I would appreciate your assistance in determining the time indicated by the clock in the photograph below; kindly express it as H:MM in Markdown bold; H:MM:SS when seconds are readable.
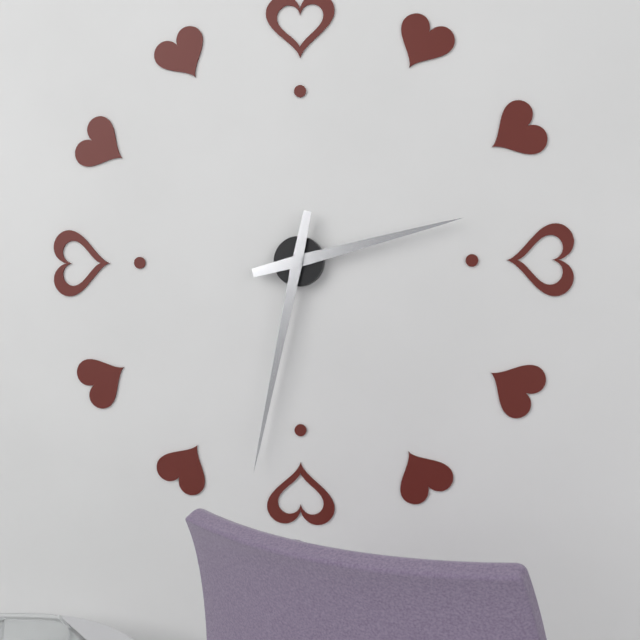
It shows **2:32**
